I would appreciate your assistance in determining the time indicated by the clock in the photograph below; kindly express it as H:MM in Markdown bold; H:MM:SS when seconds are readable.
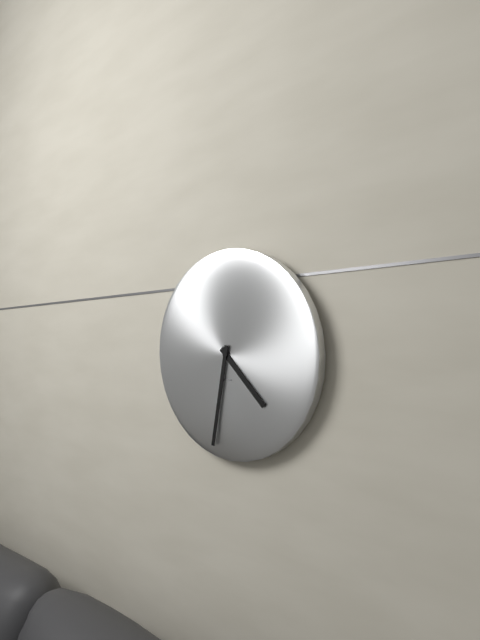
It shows **4:32**
